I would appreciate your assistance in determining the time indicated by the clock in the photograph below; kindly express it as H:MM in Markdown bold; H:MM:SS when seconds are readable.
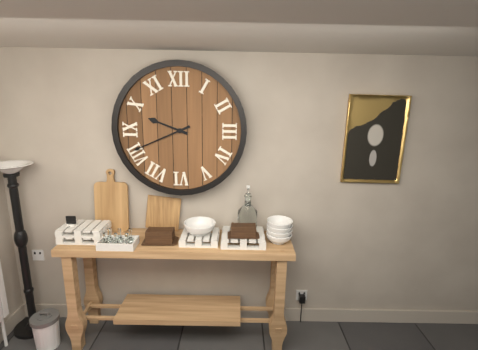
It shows **9:41**
